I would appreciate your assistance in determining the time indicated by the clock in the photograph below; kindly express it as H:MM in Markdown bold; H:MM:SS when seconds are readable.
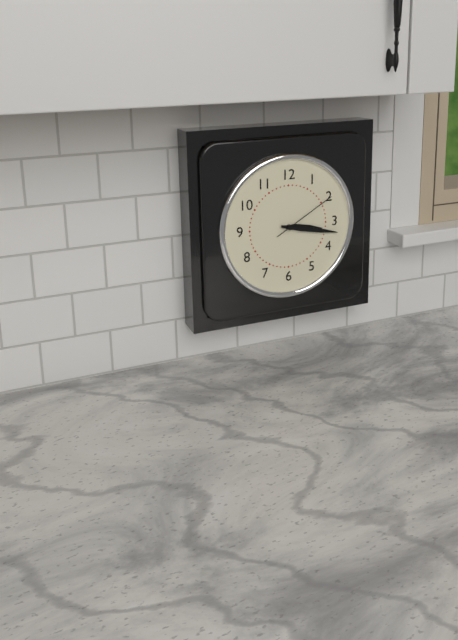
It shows **3:17:10**
